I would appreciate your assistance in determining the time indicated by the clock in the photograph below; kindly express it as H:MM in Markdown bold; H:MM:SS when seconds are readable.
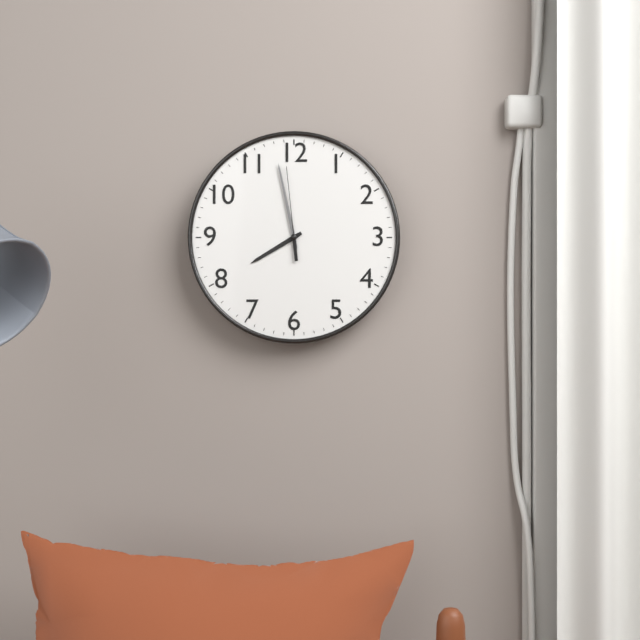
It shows **7:58:59**
